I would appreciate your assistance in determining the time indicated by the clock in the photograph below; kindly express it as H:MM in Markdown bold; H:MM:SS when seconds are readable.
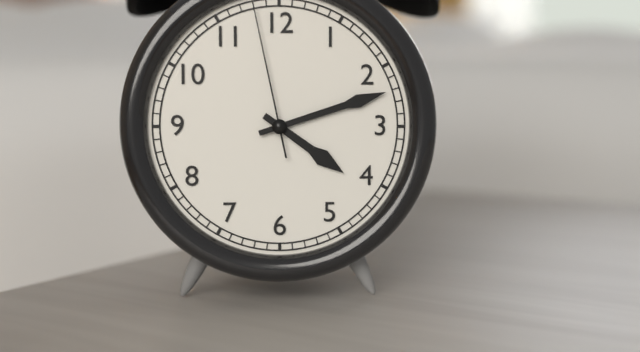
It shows **4:12:58**
